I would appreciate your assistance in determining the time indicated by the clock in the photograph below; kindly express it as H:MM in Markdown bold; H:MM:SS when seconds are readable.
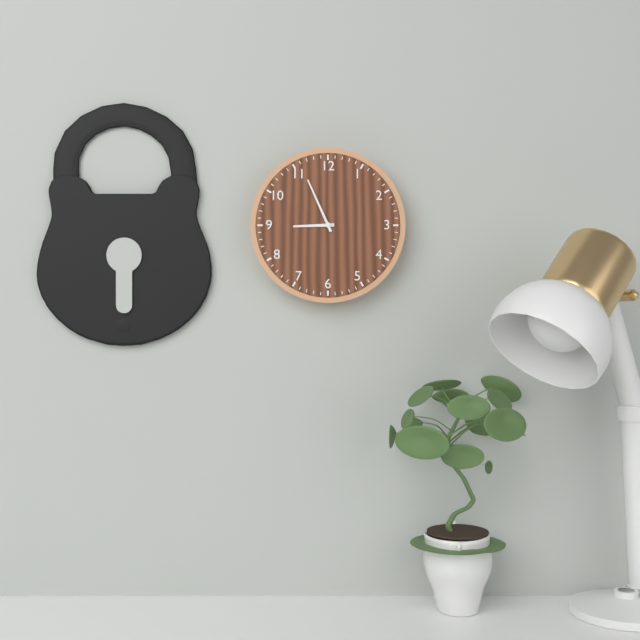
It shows **8:56**
